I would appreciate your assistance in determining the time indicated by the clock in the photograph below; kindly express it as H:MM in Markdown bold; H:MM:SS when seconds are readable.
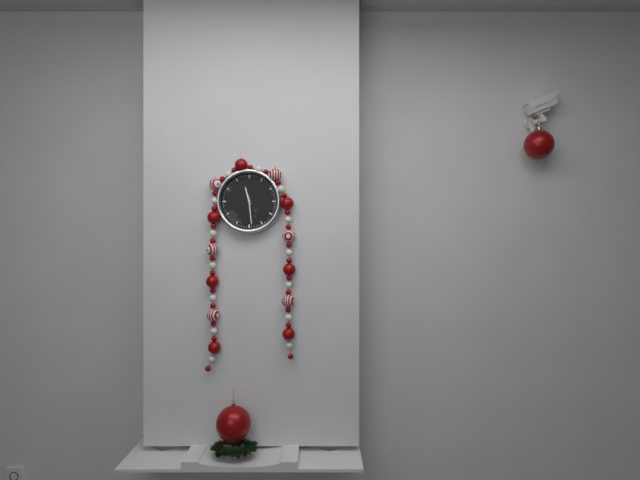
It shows **11:29**
